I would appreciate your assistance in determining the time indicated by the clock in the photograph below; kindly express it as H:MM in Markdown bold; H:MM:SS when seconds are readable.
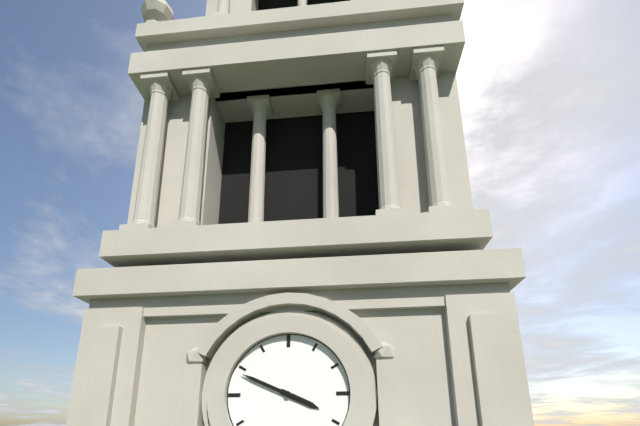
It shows **3:49**
